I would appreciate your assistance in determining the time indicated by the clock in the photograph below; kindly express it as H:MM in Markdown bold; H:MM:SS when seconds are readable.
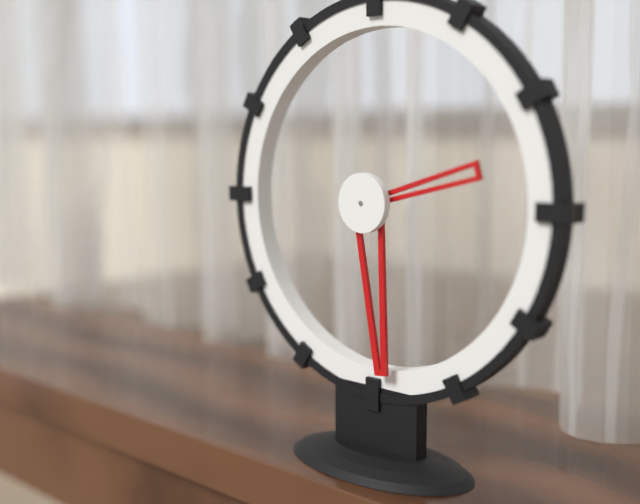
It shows **2:29**
